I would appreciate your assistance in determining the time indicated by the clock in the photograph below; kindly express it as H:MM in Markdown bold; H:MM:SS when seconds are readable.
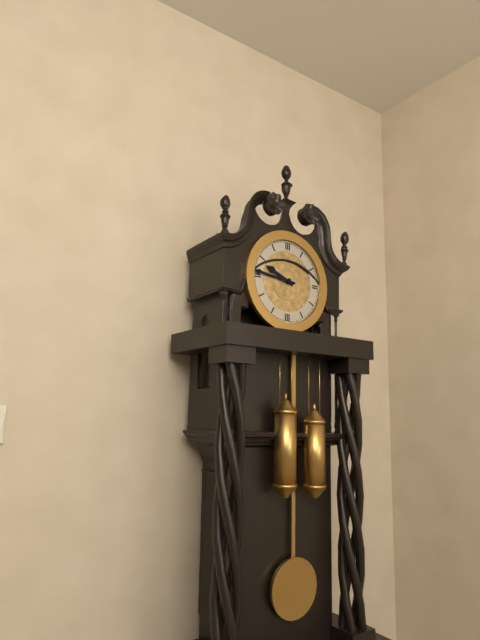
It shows **9:46**
